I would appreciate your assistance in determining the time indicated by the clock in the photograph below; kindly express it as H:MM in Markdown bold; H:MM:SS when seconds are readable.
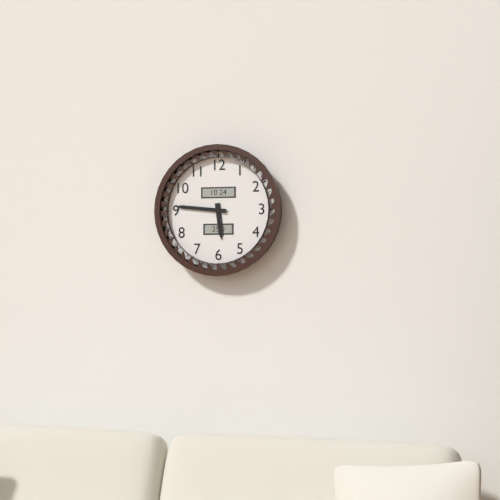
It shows **5:46**
